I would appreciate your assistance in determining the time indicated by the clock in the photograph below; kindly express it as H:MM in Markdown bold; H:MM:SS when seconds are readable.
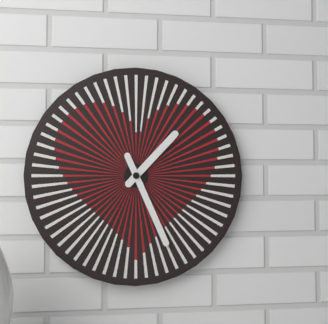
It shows **1:26**
